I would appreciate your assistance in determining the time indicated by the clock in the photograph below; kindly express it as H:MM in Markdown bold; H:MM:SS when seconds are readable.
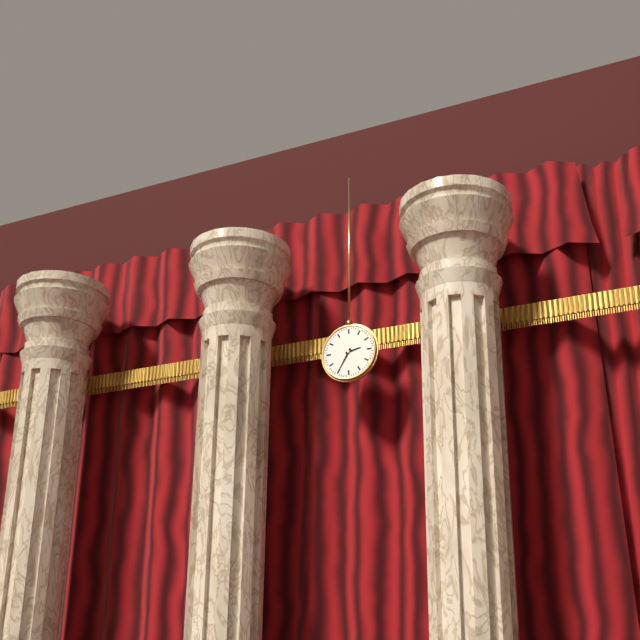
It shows **2:35**
